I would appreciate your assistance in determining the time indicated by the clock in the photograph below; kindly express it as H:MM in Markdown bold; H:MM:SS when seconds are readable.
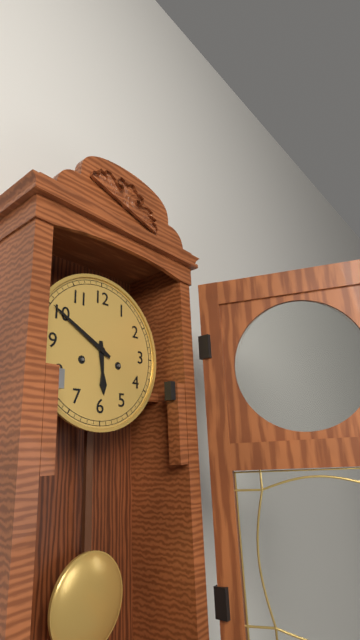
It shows **5:50**
